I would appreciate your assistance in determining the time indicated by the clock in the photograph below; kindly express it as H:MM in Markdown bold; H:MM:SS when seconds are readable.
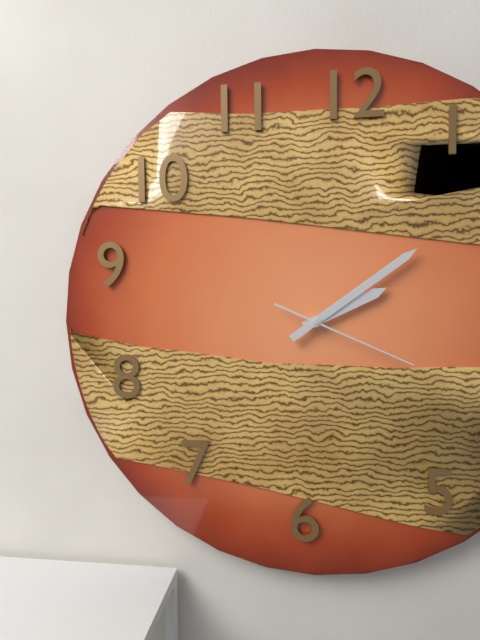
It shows **2:09:19**
